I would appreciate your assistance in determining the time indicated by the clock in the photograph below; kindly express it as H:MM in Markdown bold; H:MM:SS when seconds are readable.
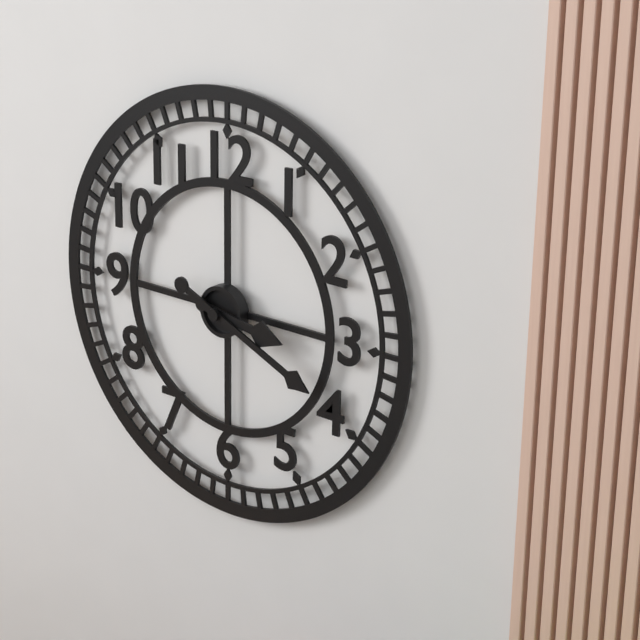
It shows **3:19**
